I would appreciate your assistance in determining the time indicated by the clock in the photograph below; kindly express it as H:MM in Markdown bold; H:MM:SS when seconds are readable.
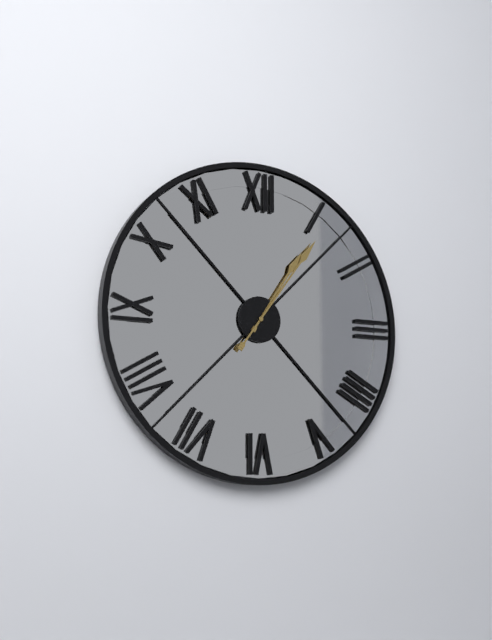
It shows **1:06**
